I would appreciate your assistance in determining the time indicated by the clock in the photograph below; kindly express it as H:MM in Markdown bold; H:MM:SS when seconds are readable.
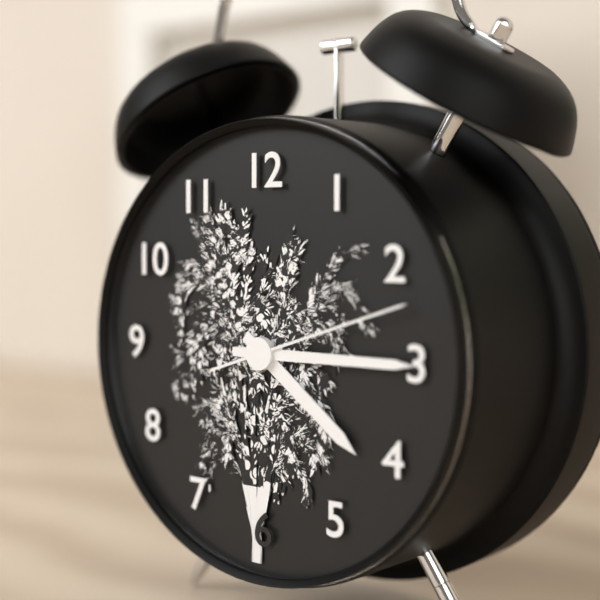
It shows **4:15:12**
